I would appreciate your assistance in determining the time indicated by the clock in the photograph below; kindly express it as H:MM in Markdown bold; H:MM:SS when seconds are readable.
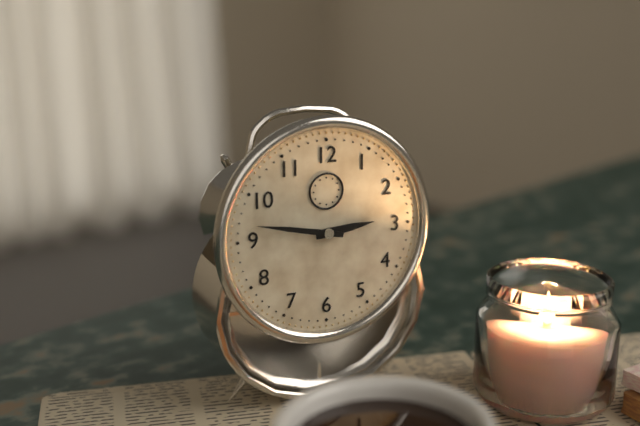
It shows **2:47**
